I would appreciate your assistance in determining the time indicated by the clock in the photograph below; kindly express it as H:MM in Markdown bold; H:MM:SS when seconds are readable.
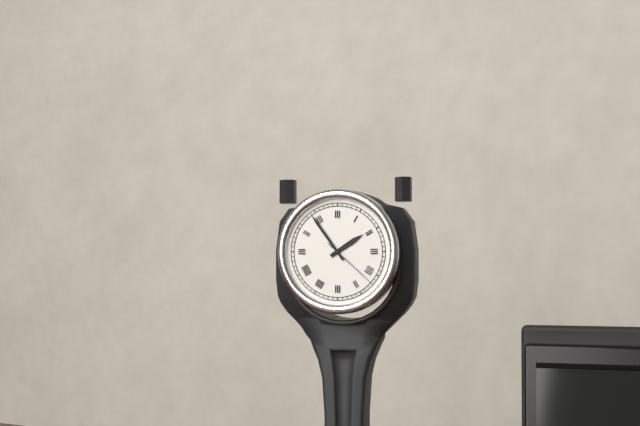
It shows **1:54:22**
